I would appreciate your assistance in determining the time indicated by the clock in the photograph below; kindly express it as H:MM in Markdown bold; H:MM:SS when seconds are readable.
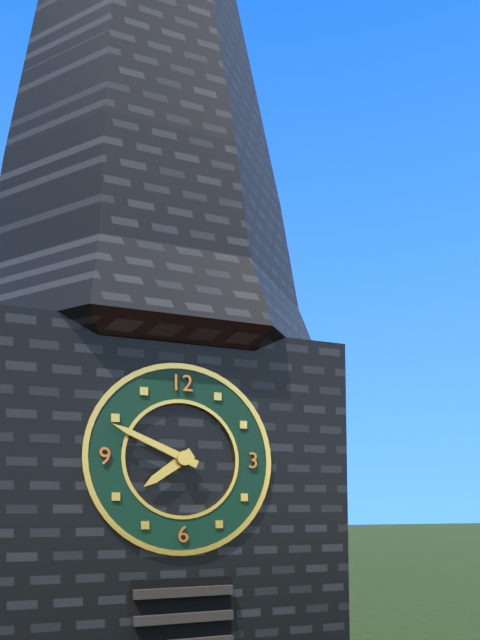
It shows **7:49**
